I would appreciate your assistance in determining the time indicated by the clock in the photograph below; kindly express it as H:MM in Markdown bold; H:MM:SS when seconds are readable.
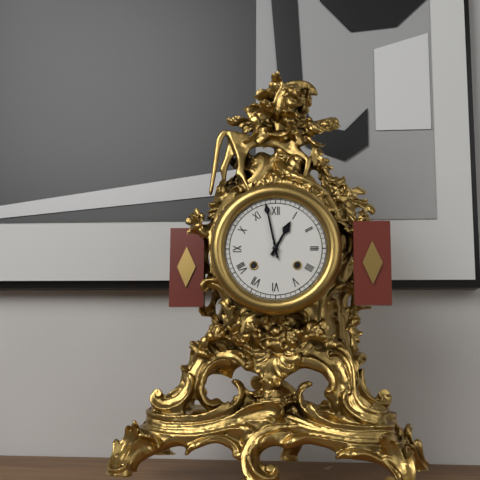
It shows **12:58**
